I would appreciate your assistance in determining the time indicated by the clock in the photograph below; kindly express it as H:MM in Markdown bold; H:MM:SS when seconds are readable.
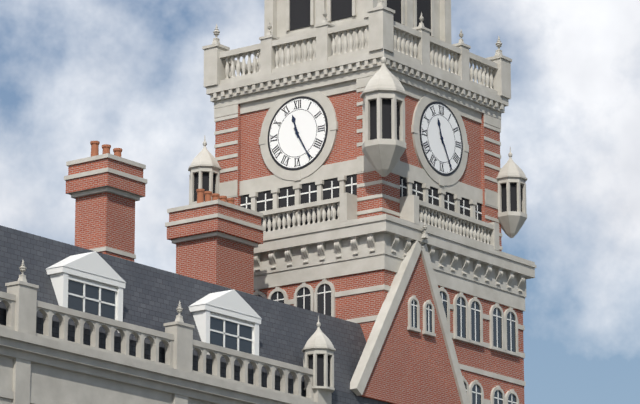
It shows **11:25**
